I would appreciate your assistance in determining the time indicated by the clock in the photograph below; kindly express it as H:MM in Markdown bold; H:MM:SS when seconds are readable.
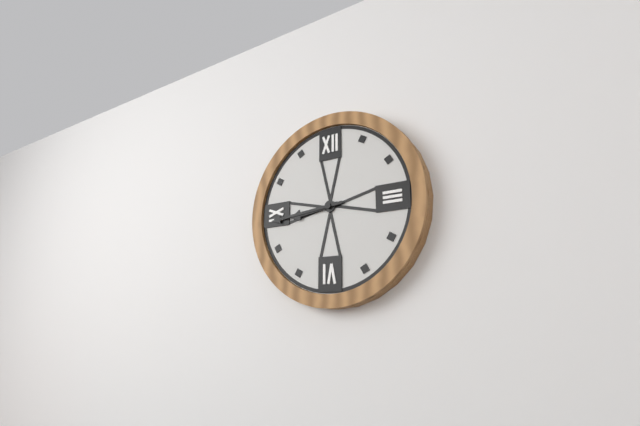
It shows **8:44**
